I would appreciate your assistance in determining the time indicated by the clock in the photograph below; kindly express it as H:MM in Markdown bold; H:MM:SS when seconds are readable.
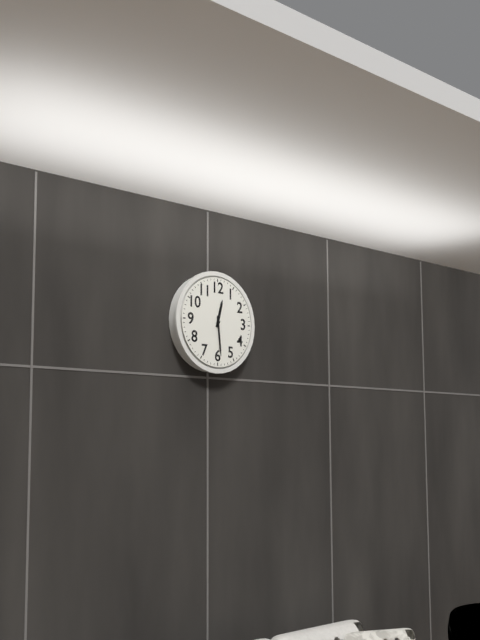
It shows **12:29**
